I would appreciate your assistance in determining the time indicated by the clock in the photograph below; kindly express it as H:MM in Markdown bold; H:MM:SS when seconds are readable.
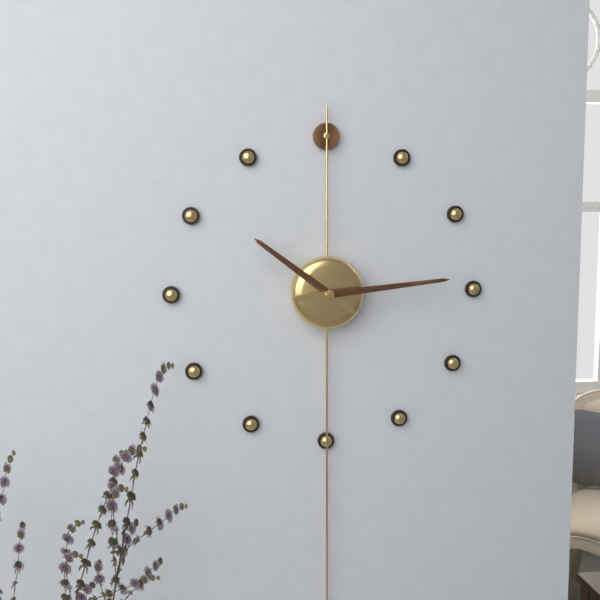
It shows **10:14**
